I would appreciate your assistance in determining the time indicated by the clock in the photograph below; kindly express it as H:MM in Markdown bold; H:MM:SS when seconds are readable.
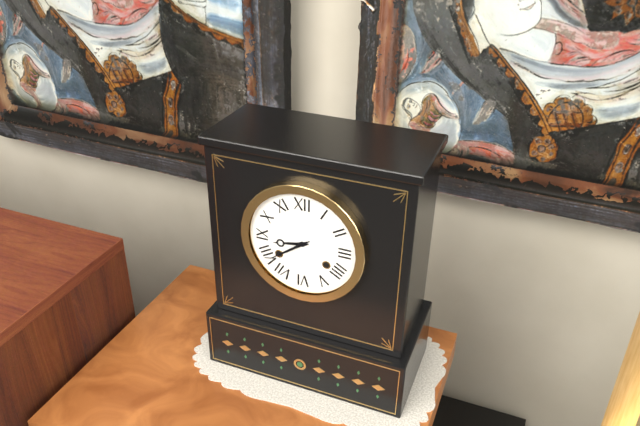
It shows **8:39**
